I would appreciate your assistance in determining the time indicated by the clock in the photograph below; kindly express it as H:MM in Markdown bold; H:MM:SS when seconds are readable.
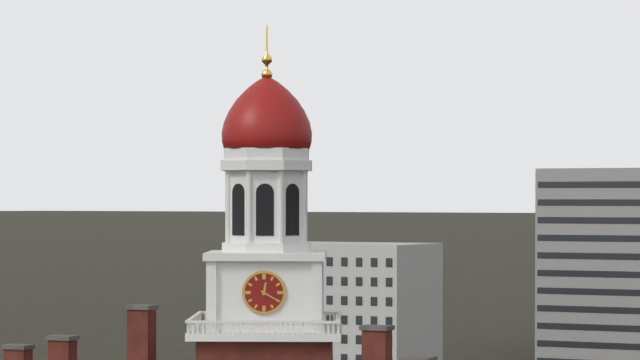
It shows **12:20**
